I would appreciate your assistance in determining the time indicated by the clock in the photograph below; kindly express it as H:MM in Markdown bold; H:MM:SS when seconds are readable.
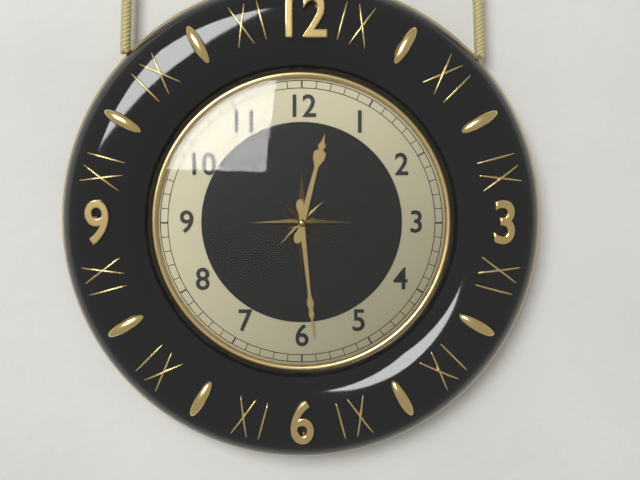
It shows **12:29**
